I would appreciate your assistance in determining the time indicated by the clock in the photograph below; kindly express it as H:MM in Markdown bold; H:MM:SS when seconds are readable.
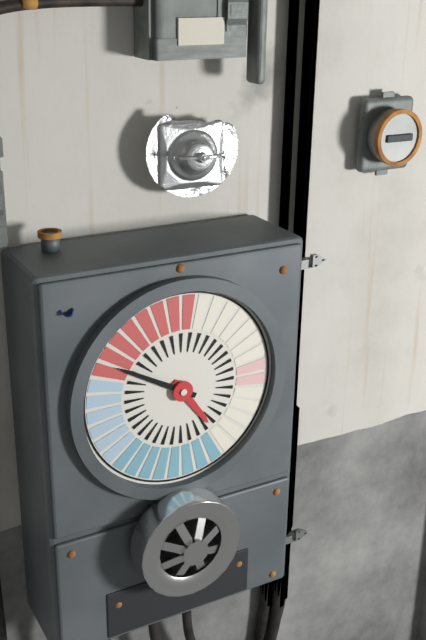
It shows **4:50**
